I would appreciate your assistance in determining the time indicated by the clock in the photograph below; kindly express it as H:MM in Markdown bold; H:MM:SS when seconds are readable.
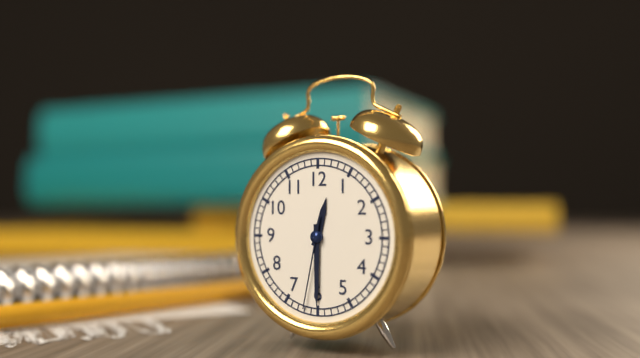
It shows **12:30:32**
